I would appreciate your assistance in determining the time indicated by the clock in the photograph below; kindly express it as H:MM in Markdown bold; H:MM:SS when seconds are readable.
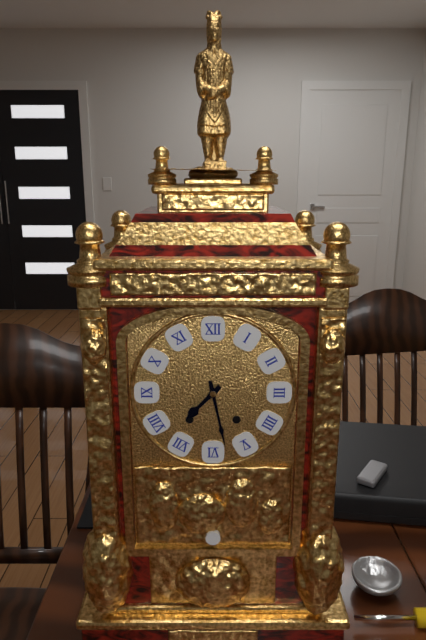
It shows **7:28**
